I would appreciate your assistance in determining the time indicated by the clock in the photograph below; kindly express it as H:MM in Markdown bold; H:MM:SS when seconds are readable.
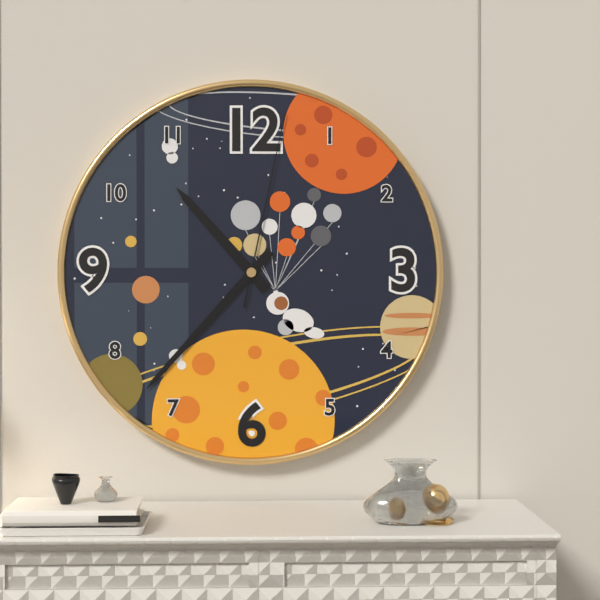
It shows **10:37:02**
